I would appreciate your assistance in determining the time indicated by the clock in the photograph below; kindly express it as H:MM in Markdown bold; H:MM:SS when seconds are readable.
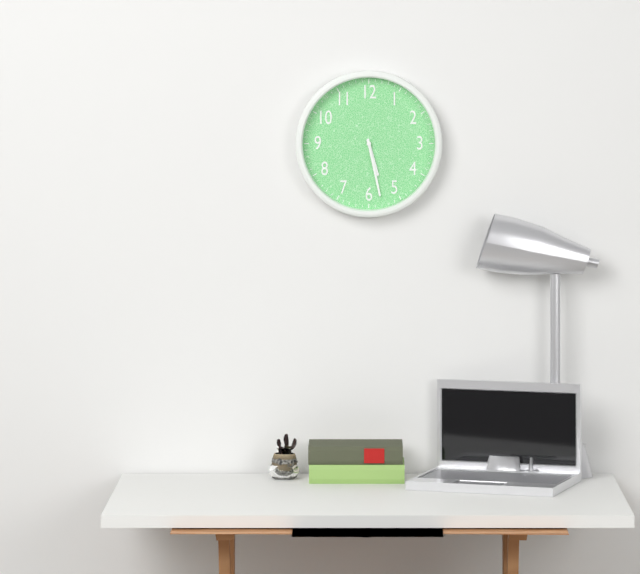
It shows **5:28**
